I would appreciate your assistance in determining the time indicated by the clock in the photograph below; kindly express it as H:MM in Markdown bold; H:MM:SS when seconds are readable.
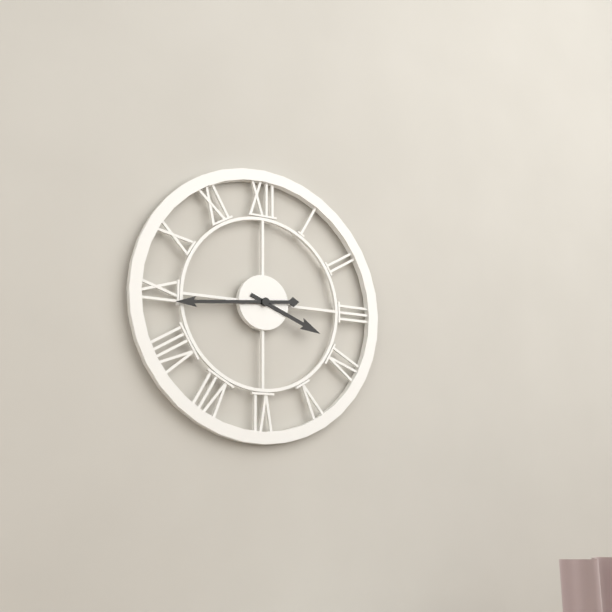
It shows **3:44**
